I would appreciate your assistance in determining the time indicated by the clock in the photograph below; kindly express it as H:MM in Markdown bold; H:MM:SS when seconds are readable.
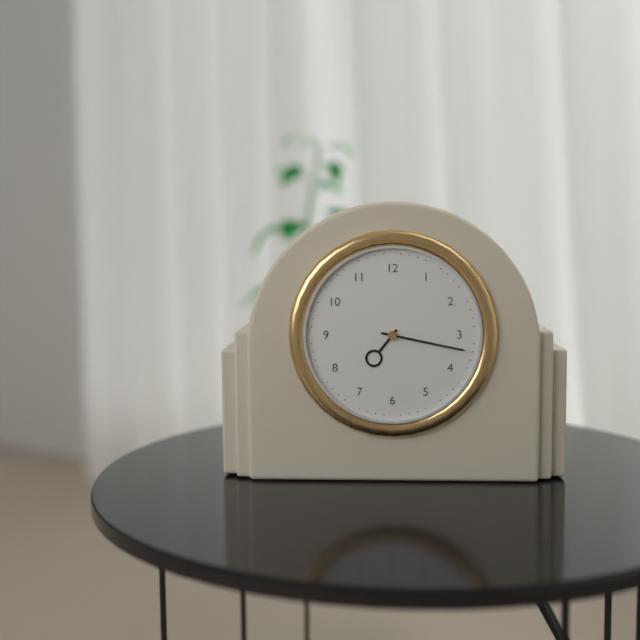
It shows **7:17**
